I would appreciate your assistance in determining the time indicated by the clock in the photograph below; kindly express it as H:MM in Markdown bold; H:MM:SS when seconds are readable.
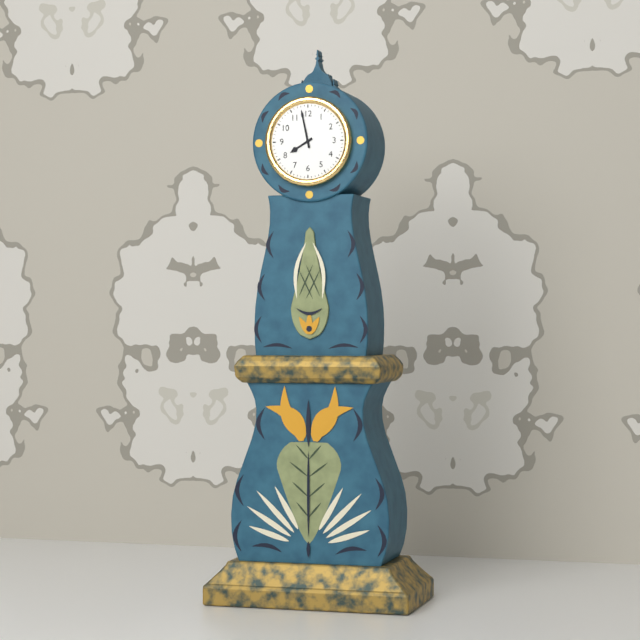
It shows **7:58**
